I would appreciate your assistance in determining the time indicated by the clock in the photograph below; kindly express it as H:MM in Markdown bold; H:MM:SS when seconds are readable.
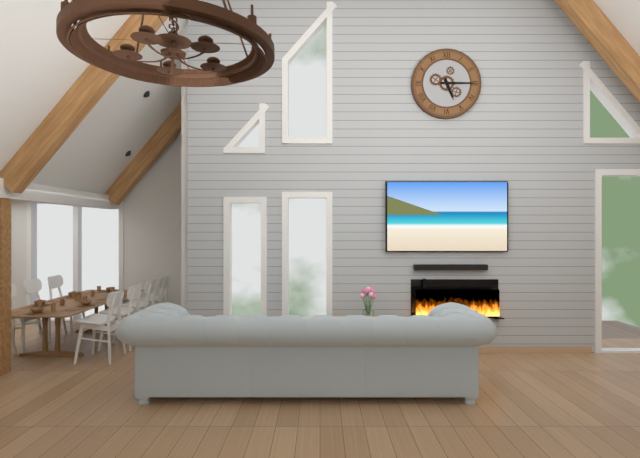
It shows **5:15**
